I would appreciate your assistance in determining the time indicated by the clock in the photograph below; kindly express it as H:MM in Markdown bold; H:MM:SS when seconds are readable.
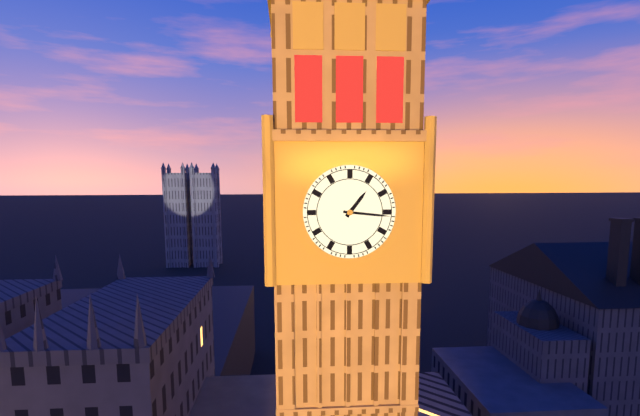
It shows **1:16**
